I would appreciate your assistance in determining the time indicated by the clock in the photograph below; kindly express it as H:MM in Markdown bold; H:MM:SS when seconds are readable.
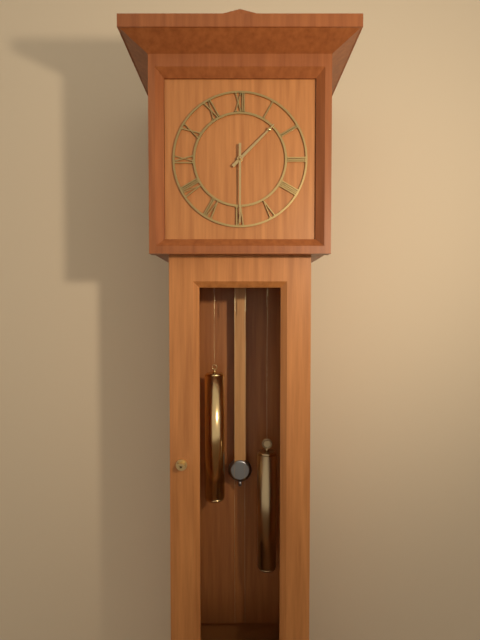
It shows **1:30**
